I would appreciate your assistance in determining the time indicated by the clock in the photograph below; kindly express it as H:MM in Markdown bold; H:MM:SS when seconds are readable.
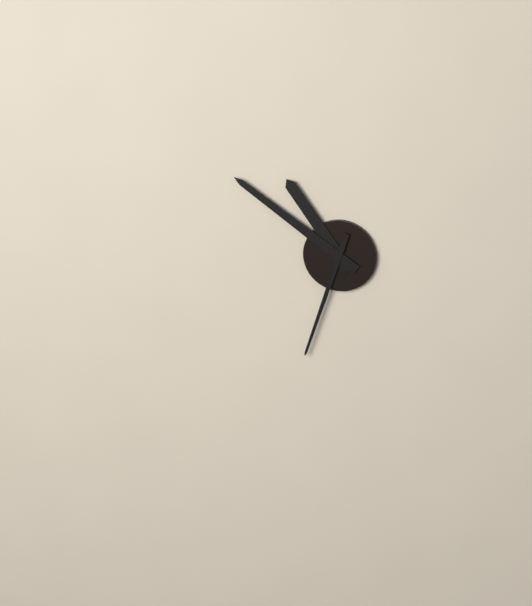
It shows **10:51:33**
